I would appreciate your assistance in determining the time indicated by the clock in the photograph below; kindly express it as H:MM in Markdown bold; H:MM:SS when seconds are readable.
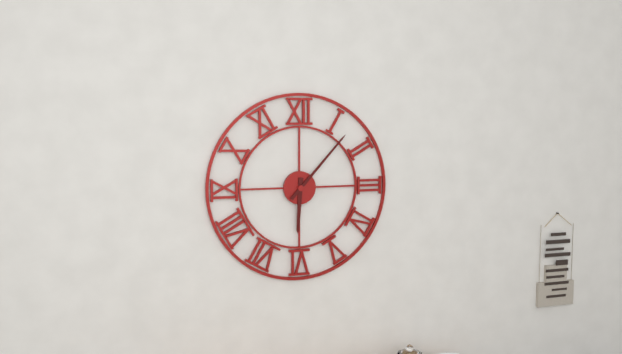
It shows **6:07**
